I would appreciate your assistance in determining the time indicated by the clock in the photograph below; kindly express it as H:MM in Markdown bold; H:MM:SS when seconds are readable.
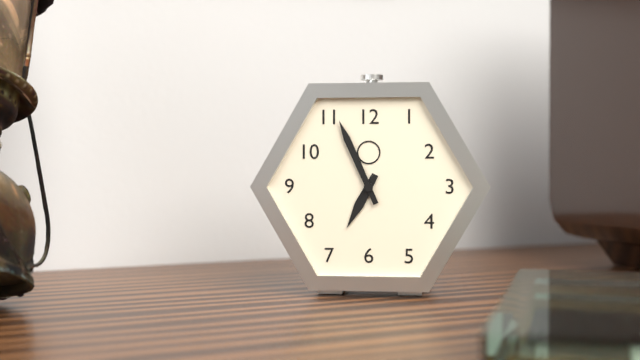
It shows **6:56**
